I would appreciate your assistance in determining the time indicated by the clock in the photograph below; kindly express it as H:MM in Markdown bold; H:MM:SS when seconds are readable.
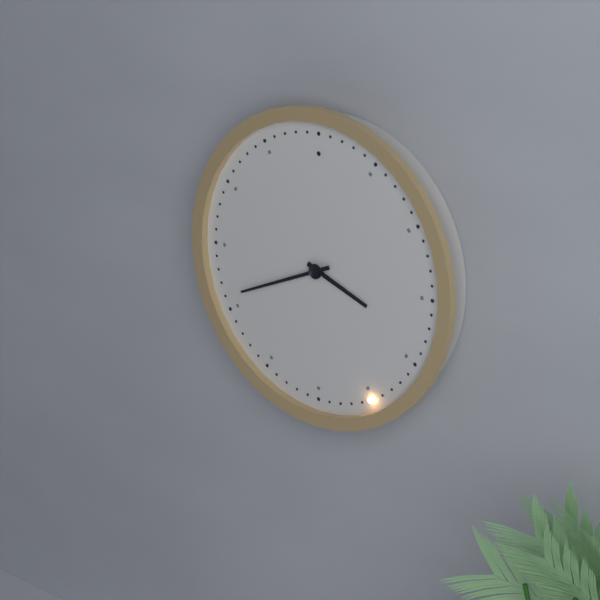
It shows **3:41**
